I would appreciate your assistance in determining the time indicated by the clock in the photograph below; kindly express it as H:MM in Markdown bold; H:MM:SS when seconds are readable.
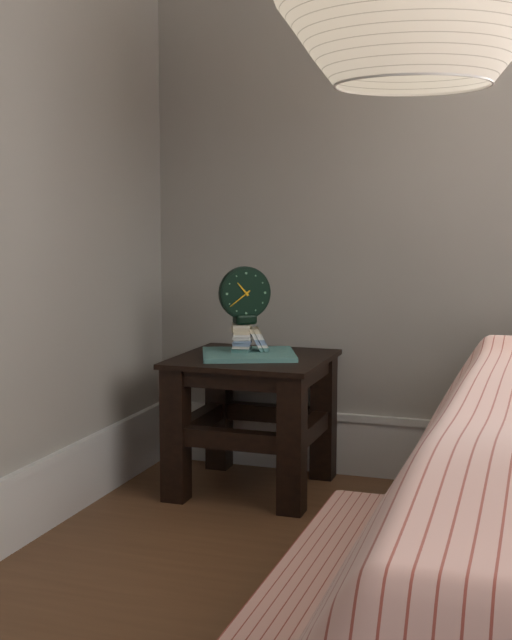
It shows **10:39**
